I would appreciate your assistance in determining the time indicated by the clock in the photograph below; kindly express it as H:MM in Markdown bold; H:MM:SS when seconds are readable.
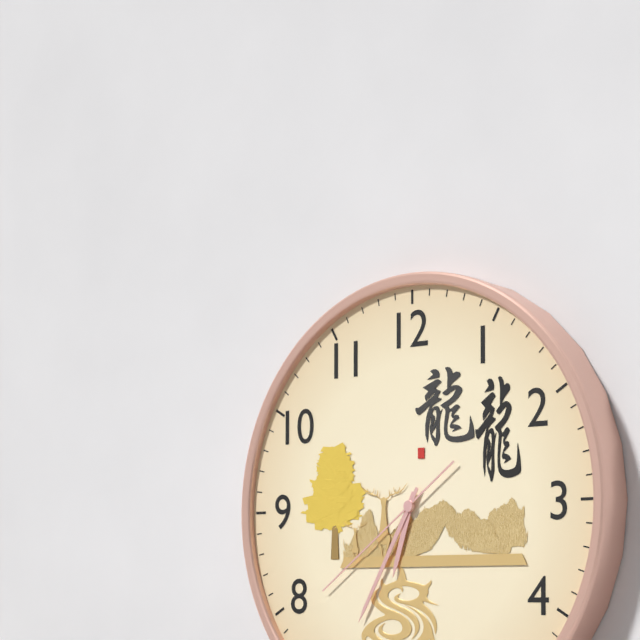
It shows **6:35:39**
